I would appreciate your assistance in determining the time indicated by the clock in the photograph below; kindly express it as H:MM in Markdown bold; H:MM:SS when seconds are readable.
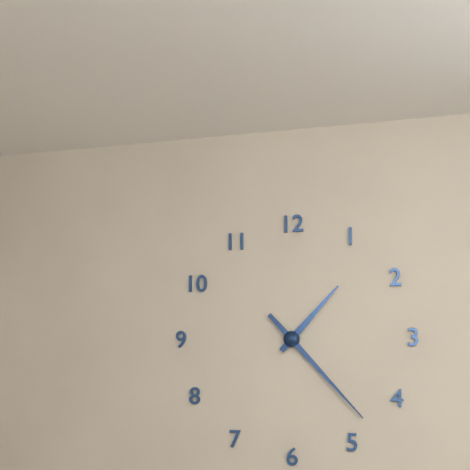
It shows **1:23**
